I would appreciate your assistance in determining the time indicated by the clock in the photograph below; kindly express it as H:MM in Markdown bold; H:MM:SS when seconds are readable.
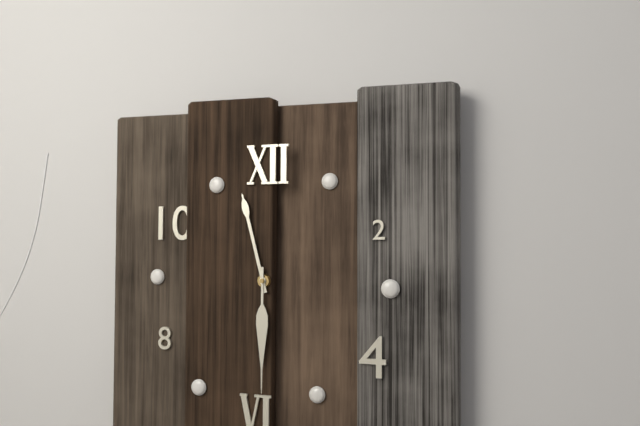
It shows **11:30**
